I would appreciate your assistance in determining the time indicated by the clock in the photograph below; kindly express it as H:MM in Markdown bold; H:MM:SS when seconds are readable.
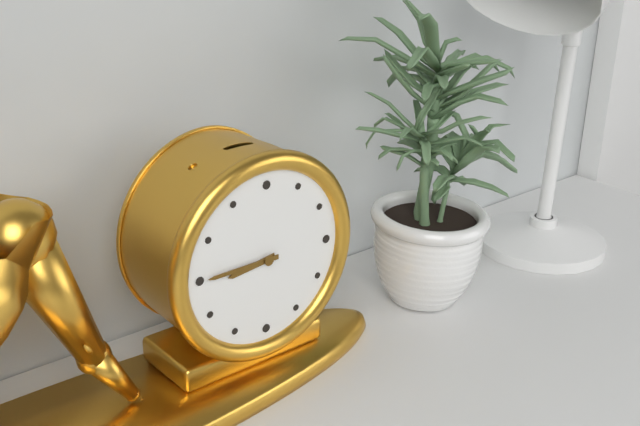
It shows **8:45**
